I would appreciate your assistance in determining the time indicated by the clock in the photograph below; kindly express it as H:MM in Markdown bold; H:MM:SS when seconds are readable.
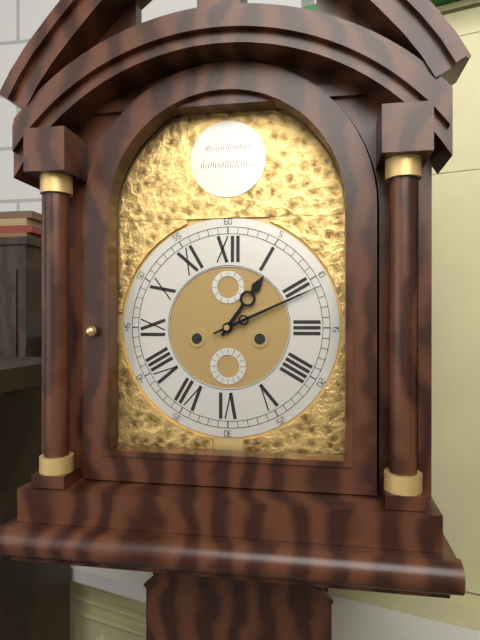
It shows **1:11**
